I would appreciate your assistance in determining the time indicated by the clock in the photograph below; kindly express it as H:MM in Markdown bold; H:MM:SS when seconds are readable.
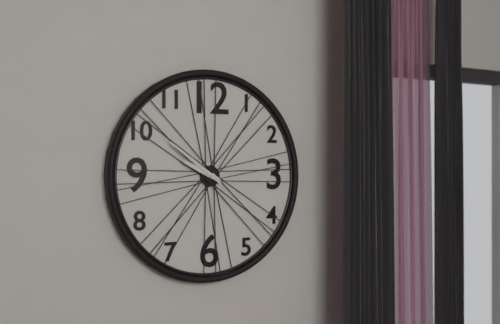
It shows **9:51**
